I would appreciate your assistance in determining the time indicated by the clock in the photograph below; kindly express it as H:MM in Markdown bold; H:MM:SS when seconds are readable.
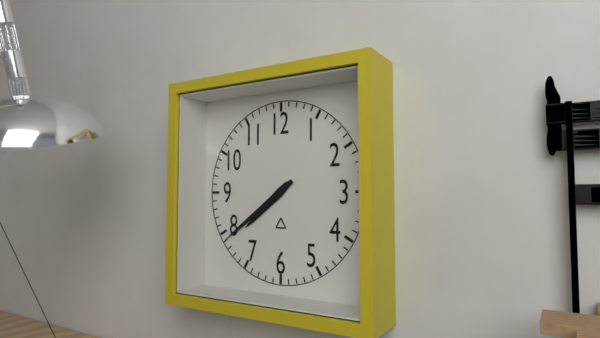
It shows **7:39**
